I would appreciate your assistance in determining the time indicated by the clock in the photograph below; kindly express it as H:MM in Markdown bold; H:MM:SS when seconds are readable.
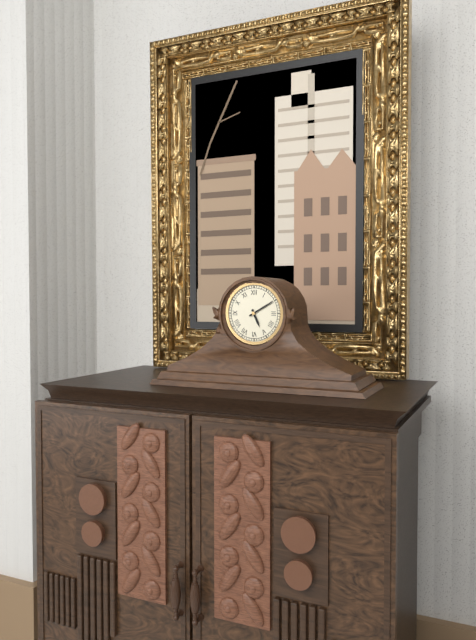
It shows **5:10**
